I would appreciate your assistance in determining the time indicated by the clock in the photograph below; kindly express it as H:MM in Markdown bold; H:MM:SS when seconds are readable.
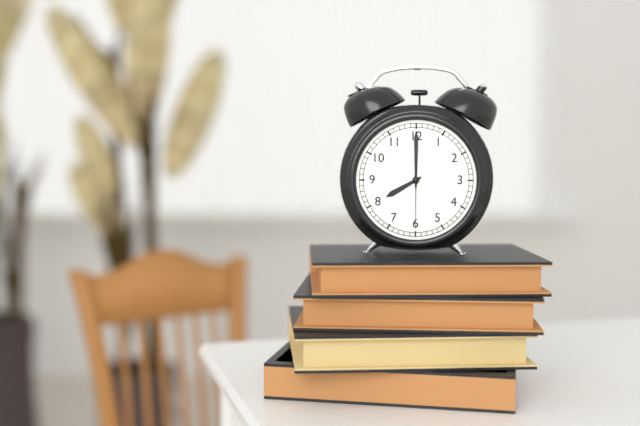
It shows **8:00:30**
